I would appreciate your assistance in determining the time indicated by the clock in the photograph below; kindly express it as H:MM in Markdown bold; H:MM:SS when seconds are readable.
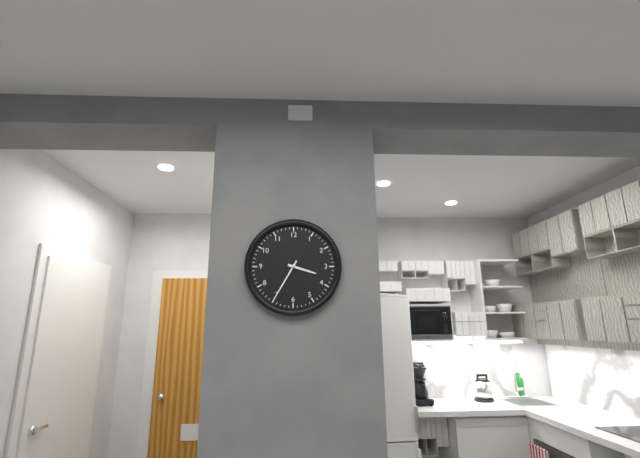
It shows **3:35**
